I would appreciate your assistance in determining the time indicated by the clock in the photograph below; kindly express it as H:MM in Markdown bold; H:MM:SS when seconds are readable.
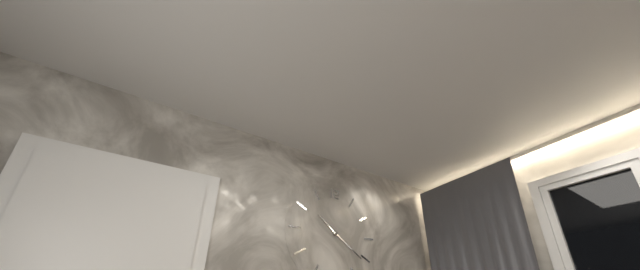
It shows **10:21**
